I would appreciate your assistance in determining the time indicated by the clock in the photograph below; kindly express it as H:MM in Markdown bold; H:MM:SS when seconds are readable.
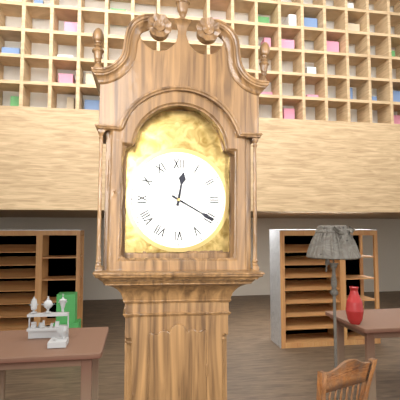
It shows **12:20**
